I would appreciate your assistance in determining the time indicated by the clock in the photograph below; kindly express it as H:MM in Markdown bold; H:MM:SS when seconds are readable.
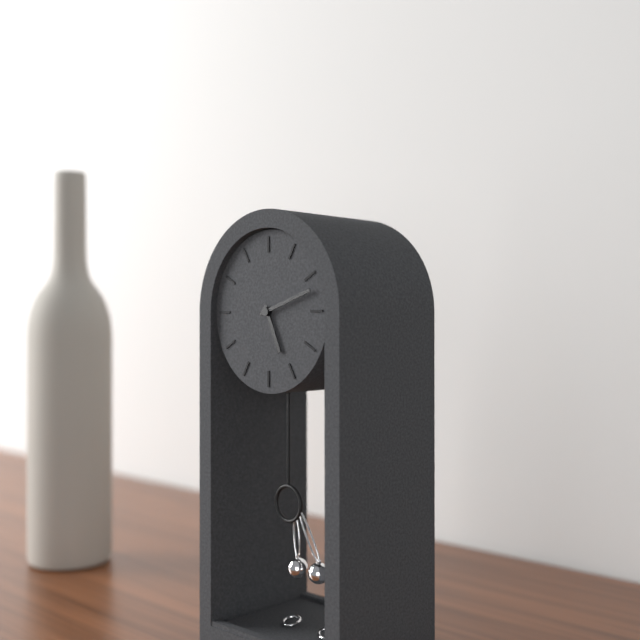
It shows **5:12**
